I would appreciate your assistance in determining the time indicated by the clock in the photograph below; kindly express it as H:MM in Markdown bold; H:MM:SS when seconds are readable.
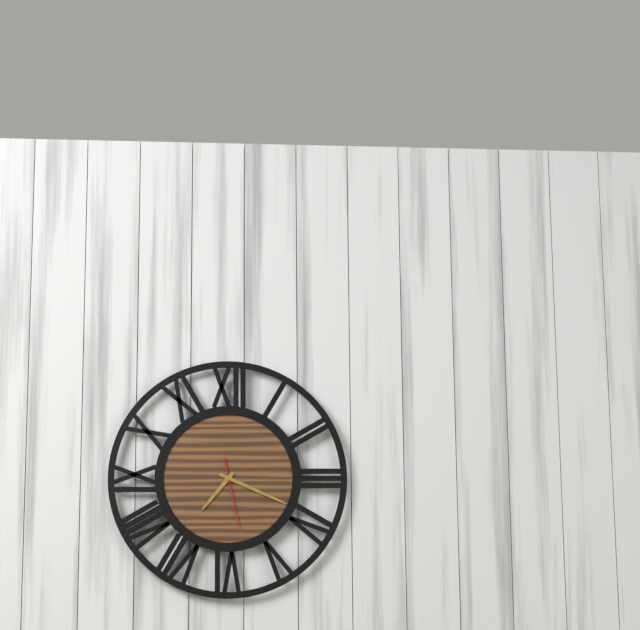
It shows **7:19:28**
